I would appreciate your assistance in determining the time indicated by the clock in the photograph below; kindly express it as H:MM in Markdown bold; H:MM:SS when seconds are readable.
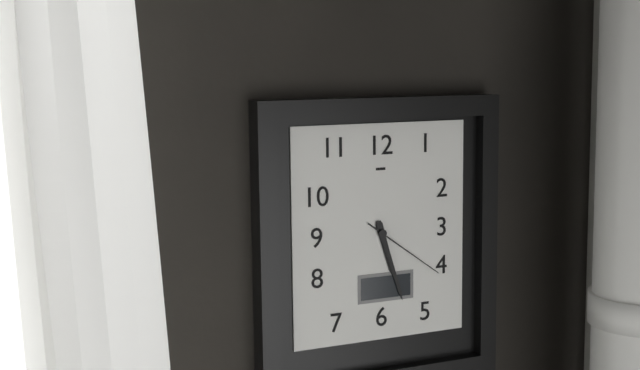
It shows **5:27:21**
